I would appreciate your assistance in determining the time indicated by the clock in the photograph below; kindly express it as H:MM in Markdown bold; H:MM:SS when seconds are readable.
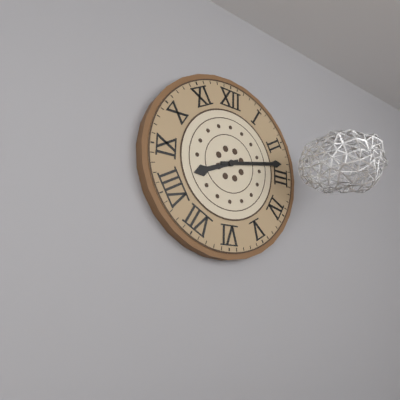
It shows **8:13**
